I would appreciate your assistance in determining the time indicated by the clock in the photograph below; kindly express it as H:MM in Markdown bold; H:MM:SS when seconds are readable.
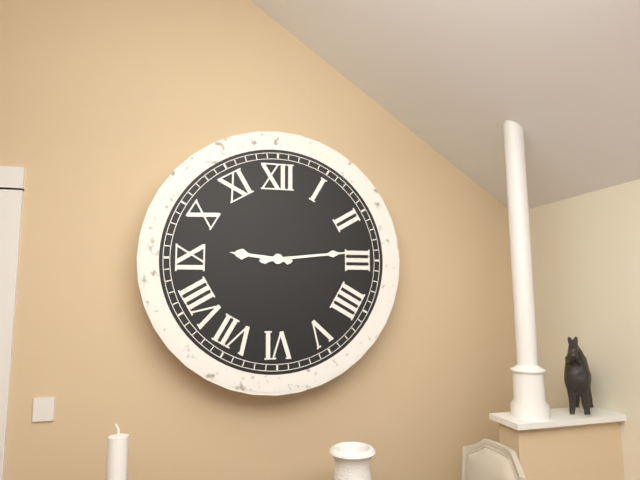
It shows **9:14**
